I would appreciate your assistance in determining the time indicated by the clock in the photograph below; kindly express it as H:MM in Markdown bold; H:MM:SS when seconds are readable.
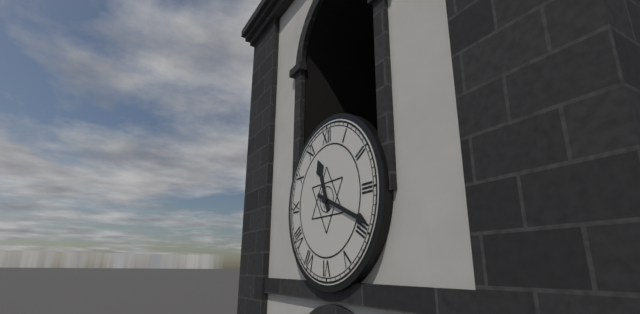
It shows **11:19**
